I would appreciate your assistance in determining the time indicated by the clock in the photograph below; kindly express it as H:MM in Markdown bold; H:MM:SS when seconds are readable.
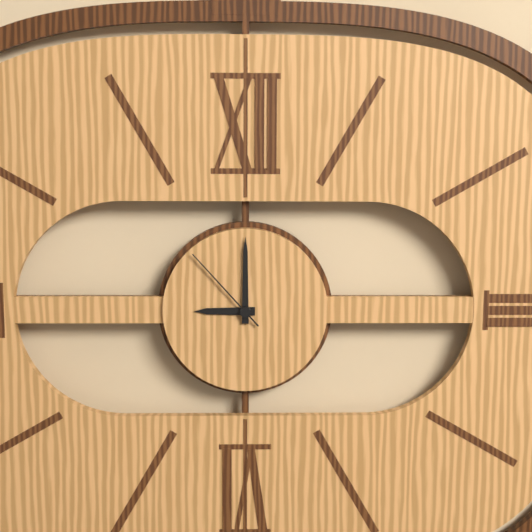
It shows **9:00:53**
